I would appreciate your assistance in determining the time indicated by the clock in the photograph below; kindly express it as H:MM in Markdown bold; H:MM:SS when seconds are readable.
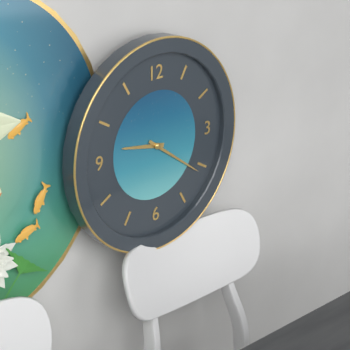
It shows **9:21**
